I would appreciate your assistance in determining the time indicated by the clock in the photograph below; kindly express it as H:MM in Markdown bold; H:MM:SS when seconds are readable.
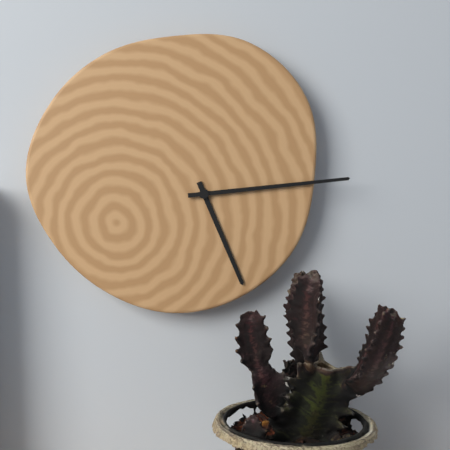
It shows **5:14**
